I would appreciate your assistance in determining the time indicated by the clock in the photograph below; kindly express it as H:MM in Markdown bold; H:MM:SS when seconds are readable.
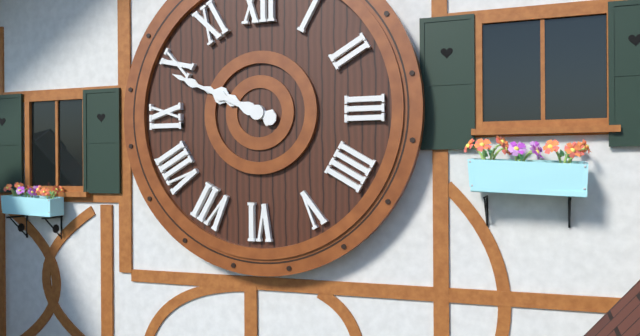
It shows **9:49**
